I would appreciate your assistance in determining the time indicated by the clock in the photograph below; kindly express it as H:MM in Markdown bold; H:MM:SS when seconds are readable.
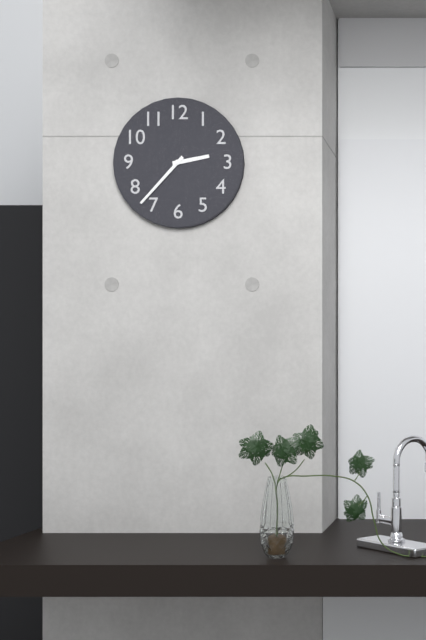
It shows **2:37**
